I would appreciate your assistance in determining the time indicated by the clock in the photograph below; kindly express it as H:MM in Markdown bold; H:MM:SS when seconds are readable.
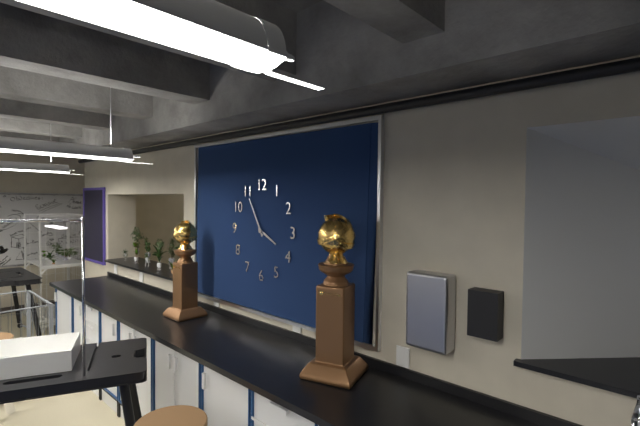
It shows **3:55**
